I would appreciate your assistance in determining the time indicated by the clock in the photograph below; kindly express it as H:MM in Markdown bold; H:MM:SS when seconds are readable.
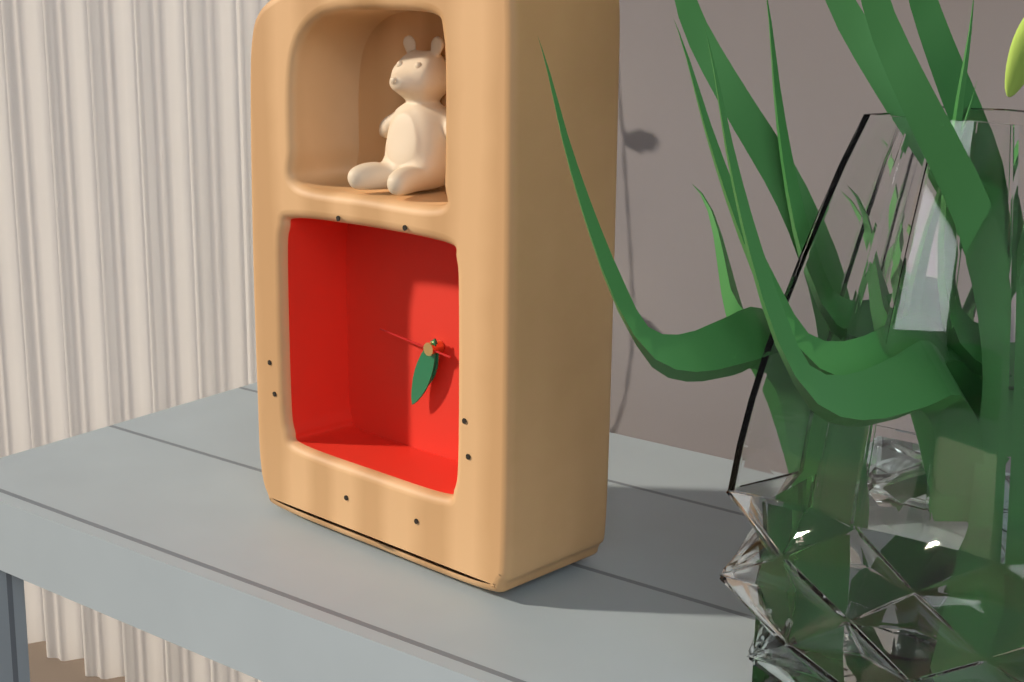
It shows **6:34:46**
